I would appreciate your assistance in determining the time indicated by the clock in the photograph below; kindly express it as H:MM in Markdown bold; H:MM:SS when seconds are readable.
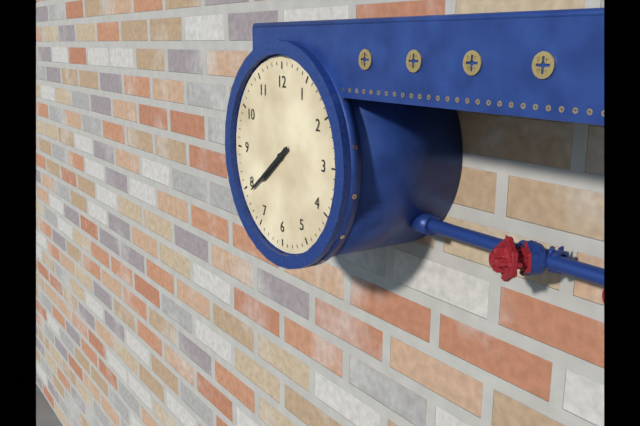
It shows **7:39**
